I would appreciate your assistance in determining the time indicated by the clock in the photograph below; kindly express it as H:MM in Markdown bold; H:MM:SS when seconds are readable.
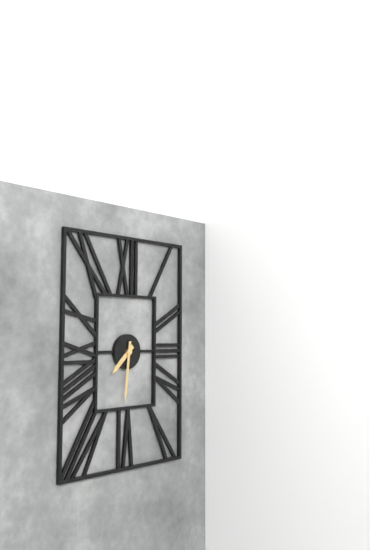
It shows **7:31**
